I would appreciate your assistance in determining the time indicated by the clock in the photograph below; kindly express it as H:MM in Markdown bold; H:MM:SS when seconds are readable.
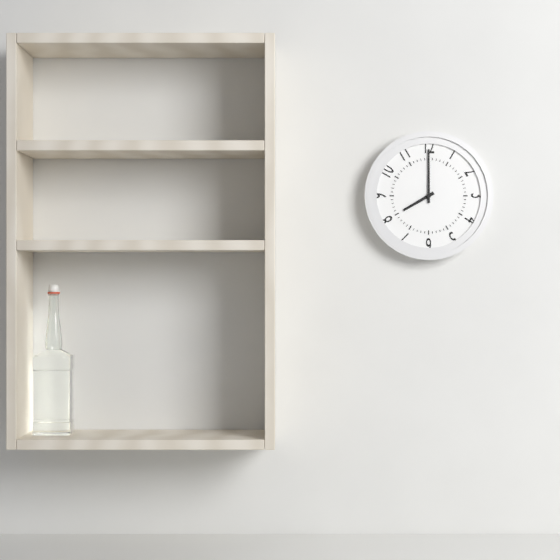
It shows **8:00**
